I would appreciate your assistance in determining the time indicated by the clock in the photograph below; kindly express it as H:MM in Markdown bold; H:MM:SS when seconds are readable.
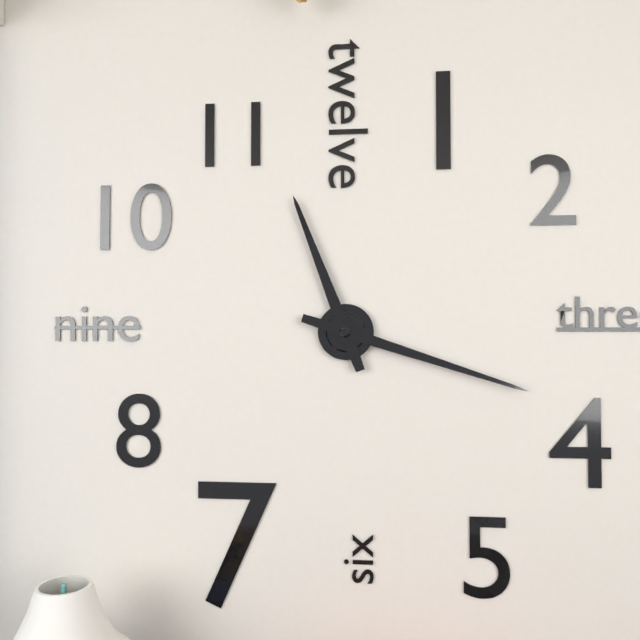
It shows **11:18**
